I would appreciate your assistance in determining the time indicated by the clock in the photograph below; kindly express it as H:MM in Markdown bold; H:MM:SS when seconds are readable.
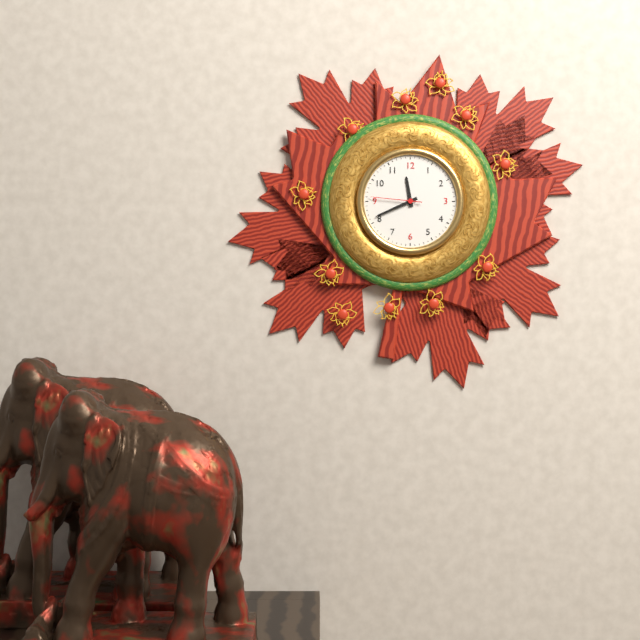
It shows **11:41:46**
